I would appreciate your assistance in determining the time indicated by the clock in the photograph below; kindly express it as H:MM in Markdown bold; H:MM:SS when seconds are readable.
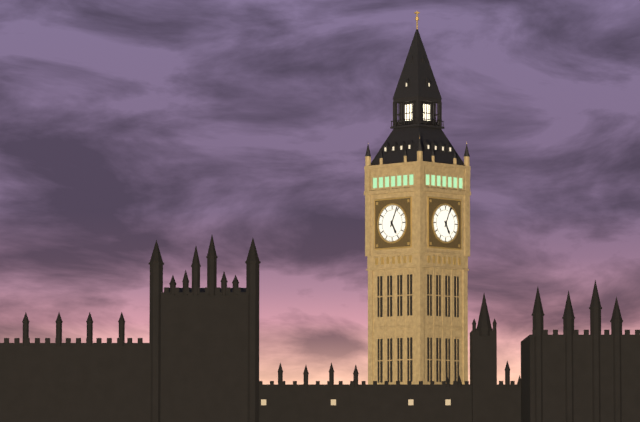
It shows **5:04**
